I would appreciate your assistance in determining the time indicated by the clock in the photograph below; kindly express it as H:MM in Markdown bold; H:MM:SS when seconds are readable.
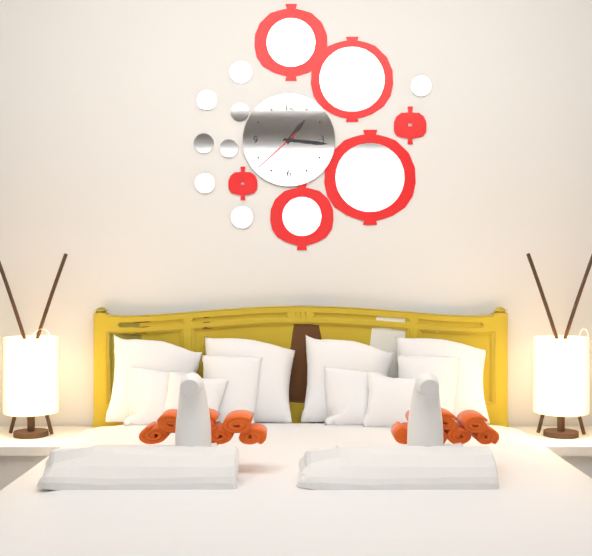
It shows **1:16:38**
